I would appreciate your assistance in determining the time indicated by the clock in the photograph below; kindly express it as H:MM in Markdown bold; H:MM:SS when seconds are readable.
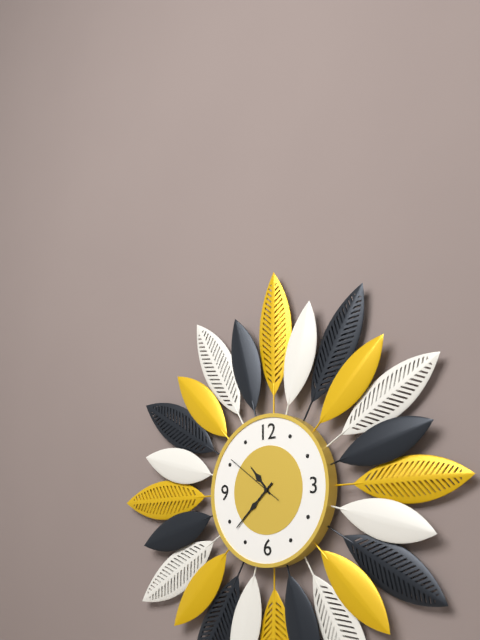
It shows **10:38:51**
